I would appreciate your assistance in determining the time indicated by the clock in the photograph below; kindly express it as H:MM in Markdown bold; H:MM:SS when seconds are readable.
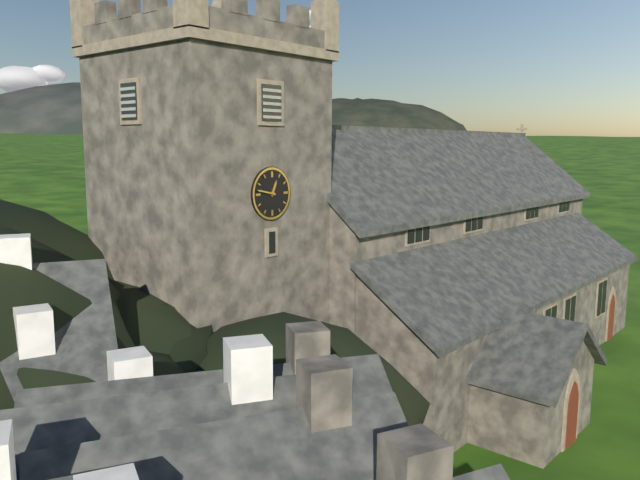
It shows **12:47**
